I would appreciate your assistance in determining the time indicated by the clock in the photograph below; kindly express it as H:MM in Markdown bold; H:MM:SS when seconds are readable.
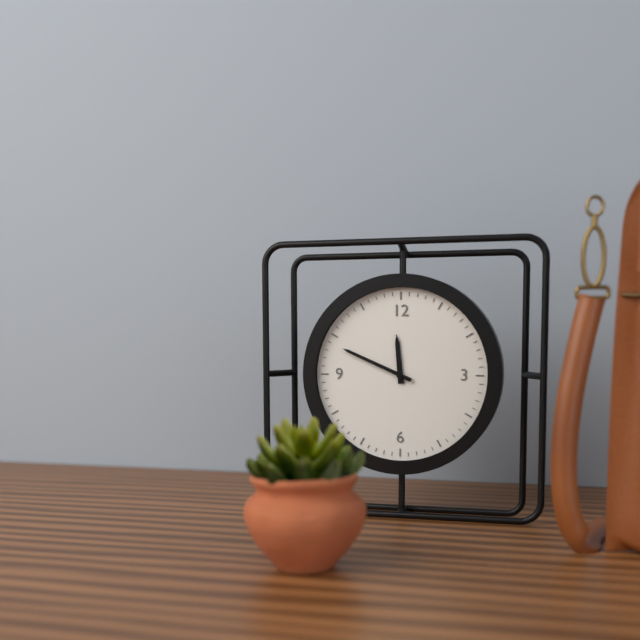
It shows **11:49**
